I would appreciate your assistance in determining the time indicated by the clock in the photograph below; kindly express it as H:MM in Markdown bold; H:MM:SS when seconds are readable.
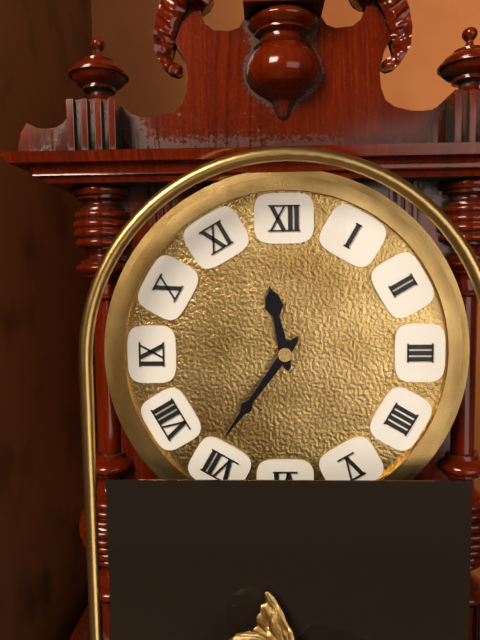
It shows **11:36**
